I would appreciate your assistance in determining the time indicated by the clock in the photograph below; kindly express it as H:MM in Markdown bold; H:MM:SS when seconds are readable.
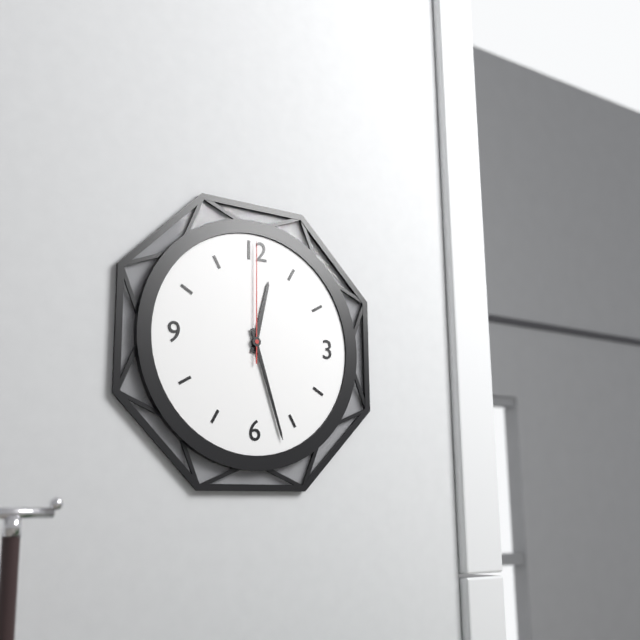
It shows **12:27:00**
